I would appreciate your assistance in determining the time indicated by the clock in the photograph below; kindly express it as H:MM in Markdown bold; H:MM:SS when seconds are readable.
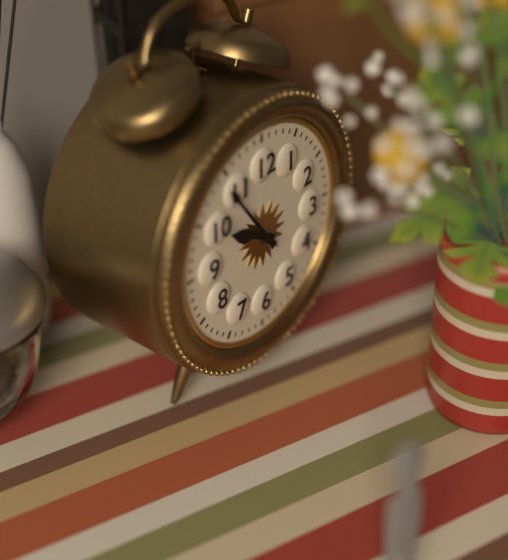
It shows **9:54**
